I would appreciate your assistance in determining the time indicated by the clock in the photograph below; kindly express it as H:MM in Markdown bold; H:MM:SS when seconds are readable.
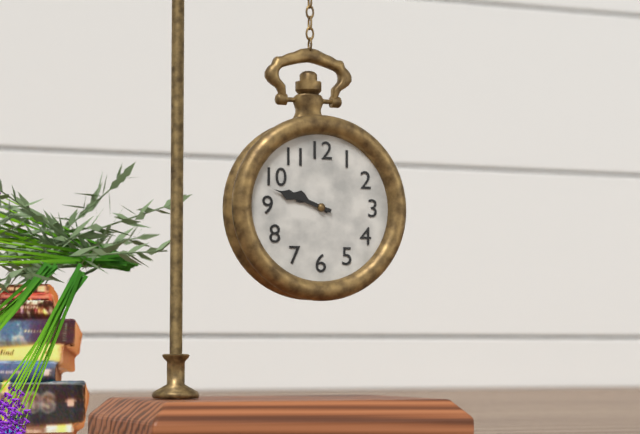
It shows **9:48**
